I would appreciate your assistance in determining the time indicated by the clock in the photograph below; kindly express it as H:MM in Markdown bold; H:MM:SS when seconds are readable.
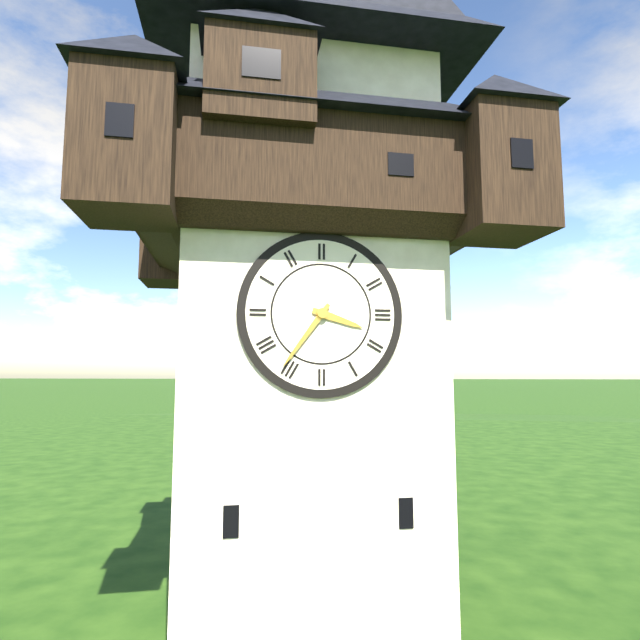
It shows **3:36**
